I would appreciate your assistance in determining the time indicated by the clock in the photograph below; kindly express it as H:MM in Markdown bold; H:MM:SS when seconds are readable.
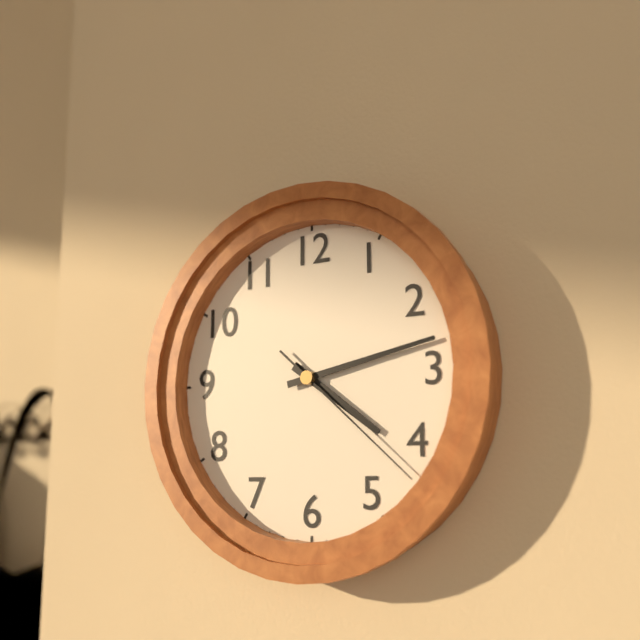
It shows **4:13:22**
